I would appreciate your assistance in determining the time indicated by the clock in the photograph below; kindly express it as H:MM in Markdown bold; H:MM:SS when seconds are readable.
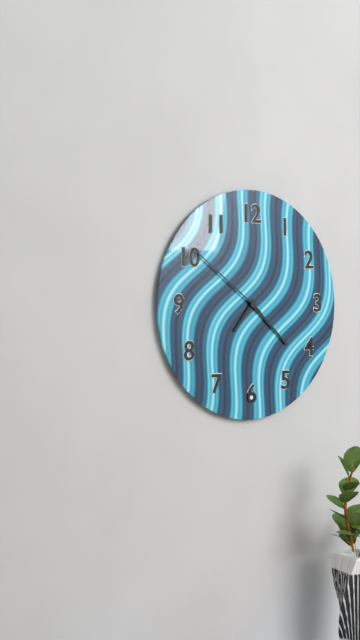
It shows **7:22:51**
